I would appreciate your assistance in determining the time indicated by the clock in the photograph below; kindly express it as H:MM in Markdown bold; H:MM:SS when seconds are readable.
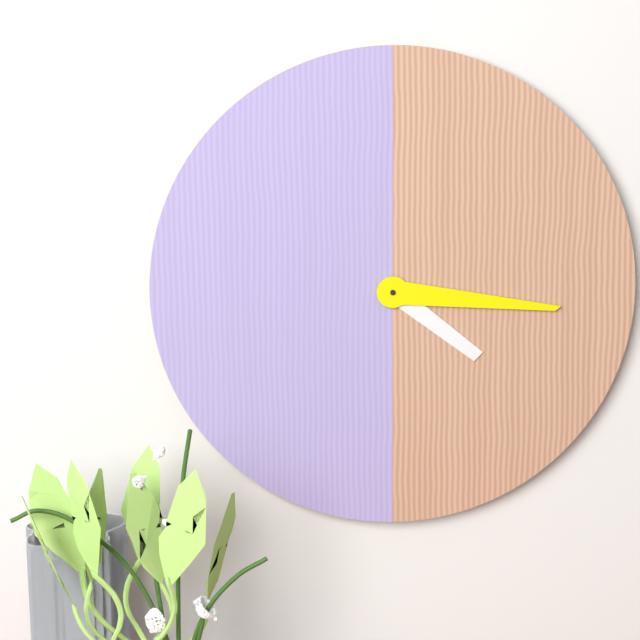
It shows **4:16**
